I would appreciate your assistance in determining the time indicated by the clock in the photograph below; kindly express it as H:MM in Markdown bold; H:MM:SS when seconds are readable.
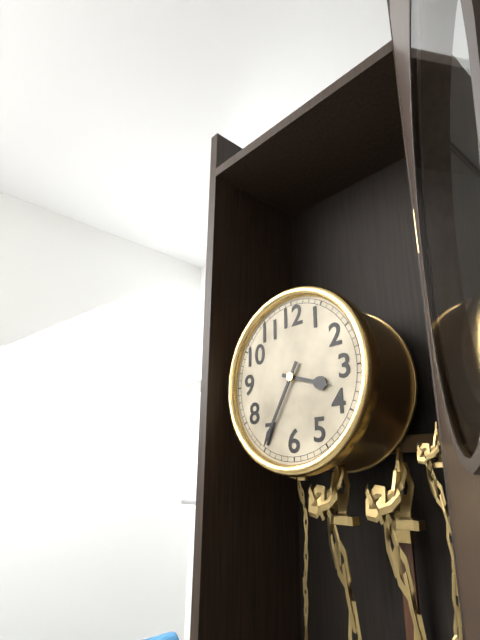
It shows **3:35**
